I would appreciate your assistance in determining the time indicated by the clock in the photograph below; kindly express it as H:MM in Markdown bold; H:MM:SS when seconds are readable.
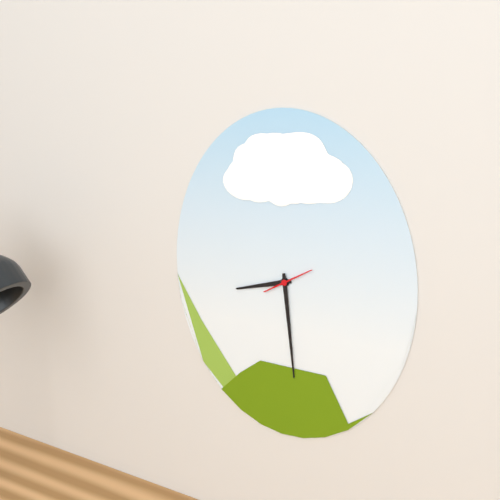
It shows **8:29**
